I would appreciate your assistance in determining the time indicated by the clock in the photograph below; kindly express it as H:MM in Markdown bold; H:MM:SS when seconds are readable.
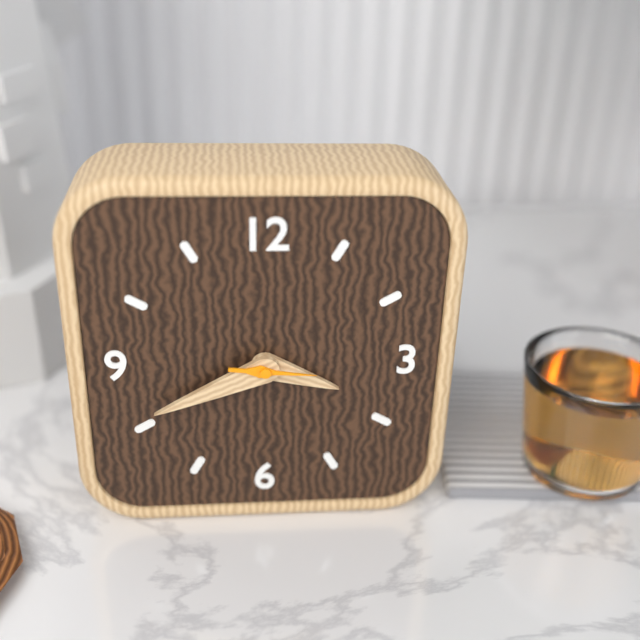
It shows **3:41:16**
